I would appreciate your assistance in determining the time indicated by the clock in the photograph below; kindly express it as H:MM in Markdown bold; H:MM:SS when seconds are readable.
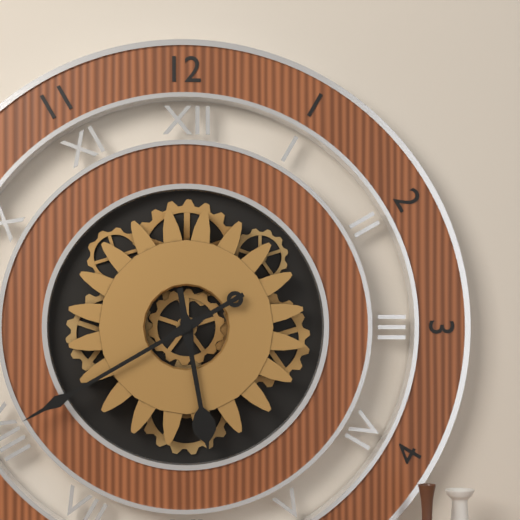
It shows **5:40**
